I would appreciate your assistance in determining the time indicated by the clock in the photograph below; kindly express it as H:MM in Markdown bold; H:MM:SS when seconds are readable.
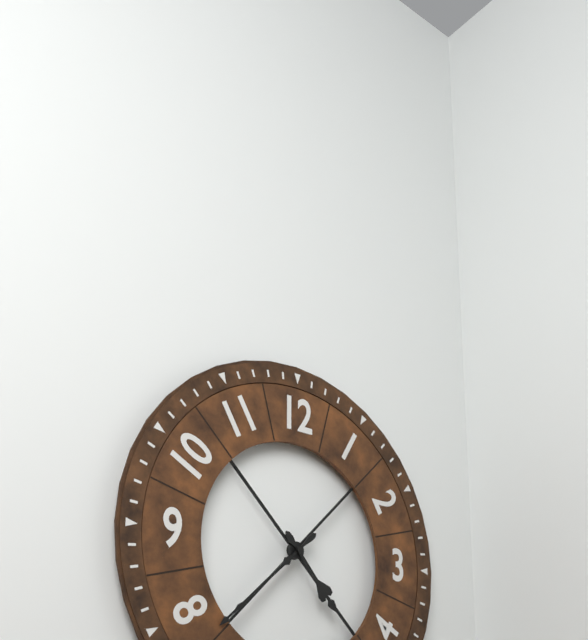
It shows **4:38**
